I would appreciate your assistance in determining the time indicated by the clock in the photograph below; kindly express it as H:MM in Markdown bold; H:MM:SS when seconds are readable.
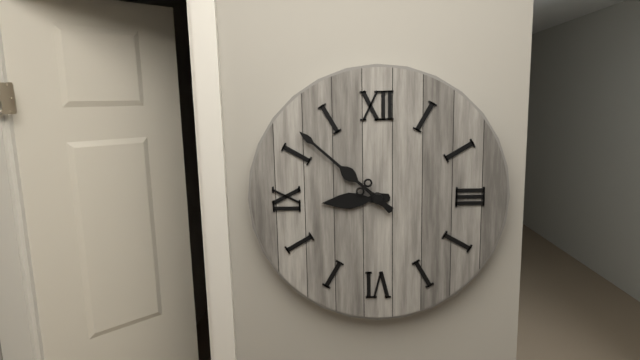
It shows **8:52**
